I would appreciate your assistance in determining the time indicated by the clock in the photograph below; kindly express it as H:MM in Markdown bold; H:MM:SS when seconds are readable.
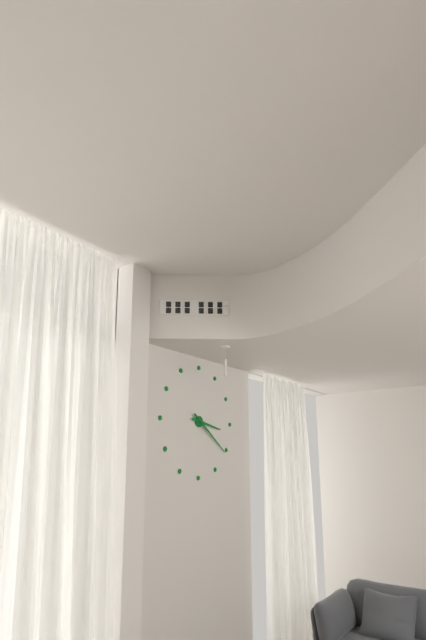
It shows **3:21**
